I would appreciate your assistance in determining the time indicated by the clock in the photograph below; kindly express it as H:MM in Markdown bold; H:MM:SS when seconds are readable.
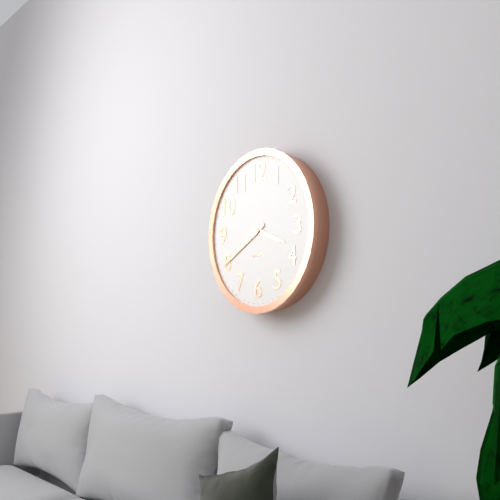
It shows **3:40**
